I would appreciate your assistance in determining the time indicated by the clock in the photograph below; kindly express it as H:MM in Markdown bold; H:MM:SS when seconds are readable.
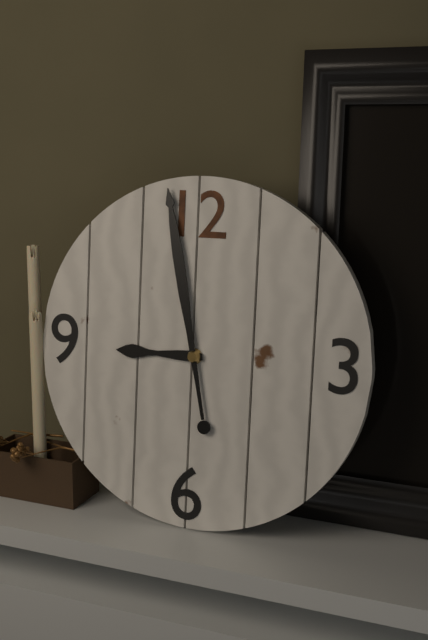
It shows **8:58**
